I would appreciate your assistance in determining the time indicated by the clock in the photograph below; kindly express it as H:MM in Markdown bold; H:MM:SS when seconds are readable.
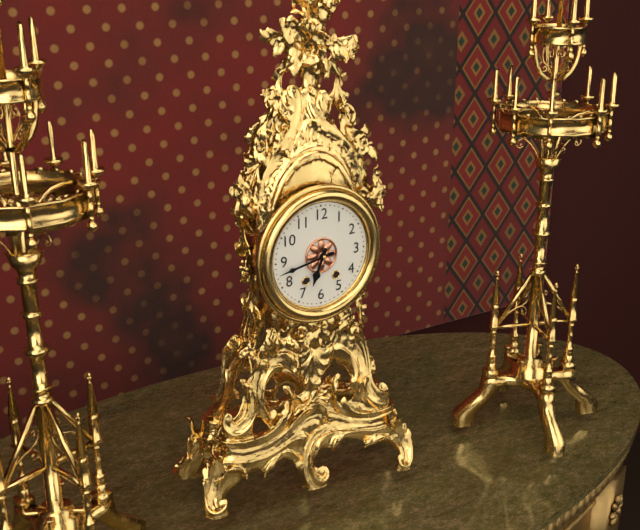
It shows **6:43**
